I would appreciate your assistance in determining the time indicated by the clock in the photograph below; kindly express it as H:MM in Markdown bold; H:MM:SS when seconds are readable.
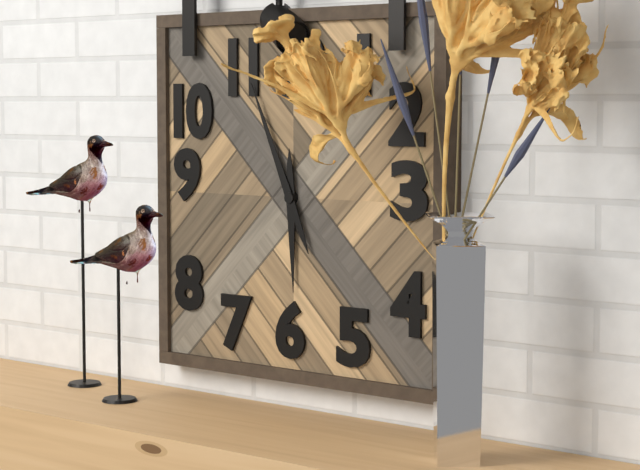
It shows **5:56**
